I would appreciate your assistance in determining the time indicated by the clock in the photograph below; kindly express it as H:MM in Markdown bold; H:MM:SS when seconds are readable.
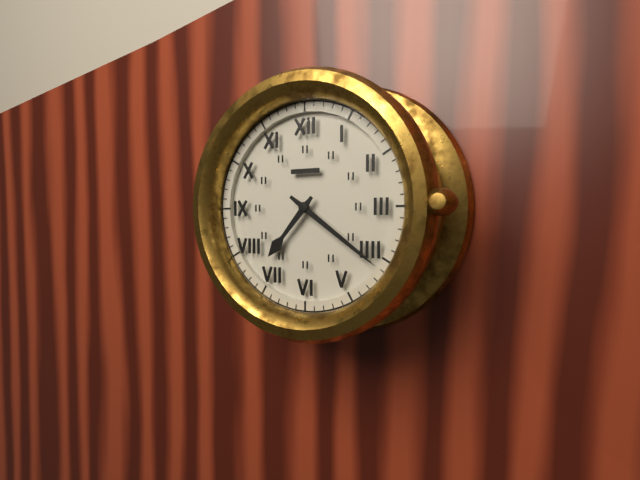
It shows **7:21**
